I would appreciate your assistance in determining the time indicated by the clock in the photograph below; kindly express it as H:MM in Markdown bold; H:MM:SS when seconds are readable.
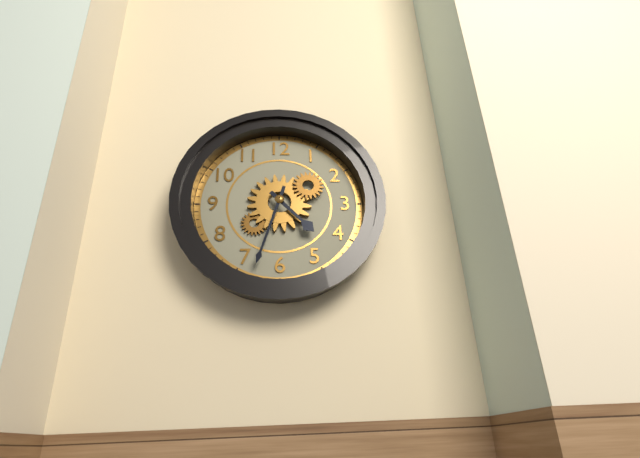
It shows **4:33**
